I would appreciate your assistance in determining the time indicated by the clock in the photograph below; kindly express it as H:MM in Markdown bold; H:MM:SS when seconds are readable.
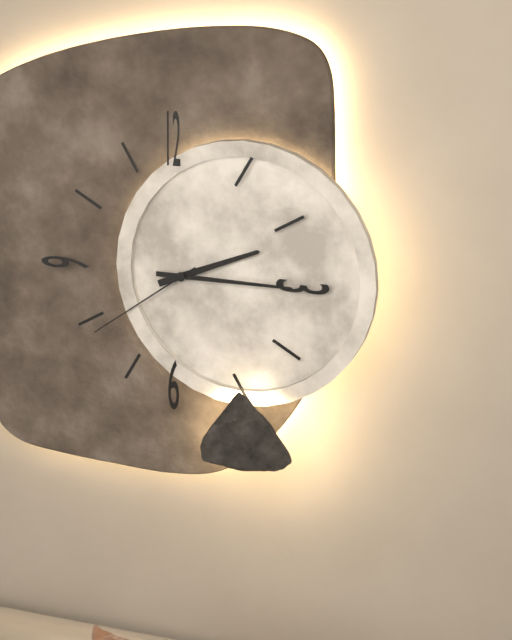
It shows **2:15:39**
